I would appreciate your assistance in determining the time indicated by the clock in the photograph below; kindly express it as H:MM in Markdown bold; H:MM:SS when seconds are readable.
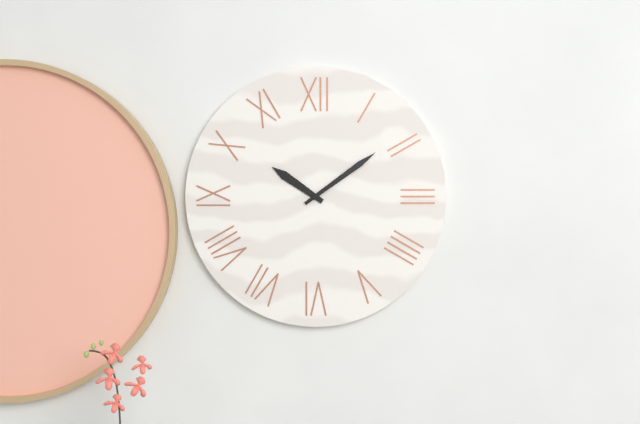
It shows **10:09**
